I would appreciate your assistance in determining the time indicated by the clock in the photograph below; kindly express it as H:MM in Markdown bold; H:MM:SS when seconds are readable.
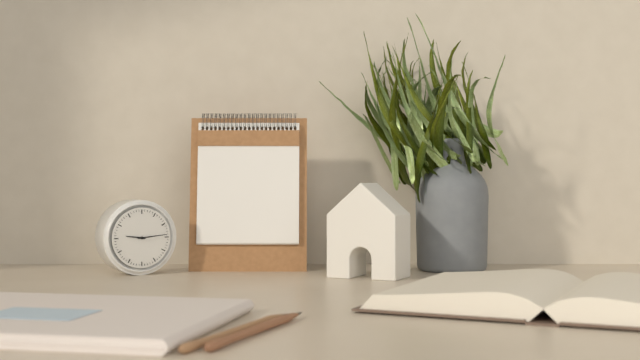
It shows **9:14**
